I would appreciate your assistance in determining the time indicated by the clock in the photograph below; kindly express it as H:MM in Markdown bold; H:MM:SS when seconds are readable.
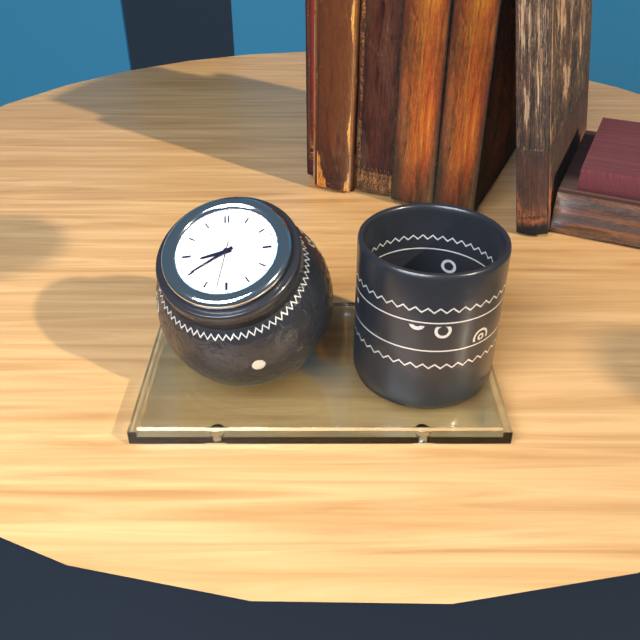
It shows **8:40**
